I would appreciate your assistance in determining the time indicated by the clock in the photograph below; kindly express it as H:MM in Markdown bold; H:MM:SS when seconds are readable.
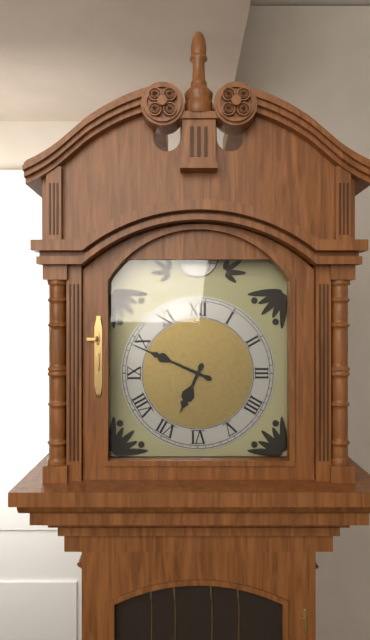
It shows **6:49**
